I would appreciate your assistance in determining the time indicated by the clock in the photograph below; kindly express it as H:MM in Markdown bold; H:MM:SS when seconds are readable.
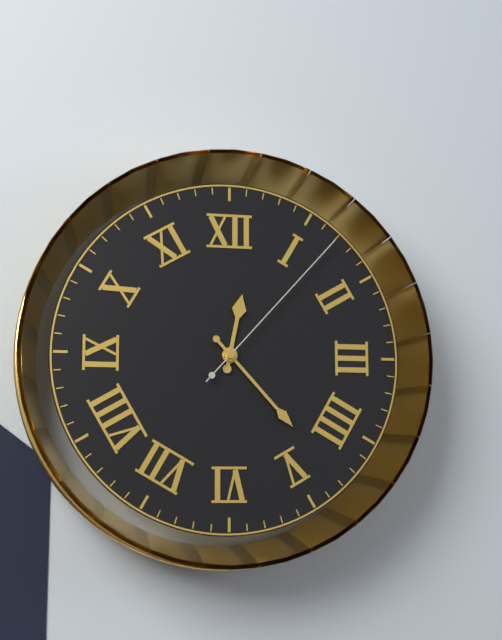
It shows **12:23:07**
